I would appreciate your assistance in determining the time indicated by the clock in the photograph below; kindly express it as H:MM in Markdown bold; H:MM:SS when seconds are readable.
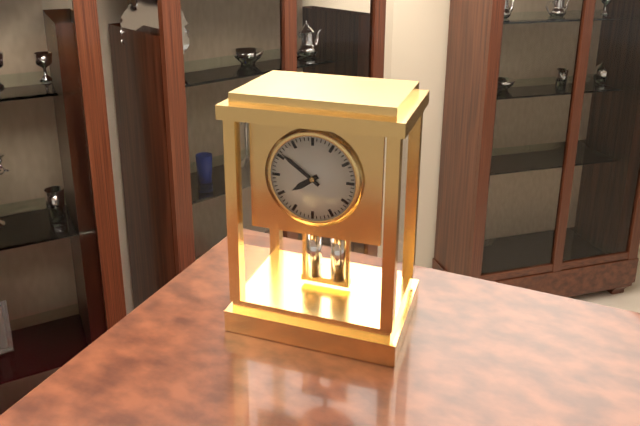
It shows **7:51**
